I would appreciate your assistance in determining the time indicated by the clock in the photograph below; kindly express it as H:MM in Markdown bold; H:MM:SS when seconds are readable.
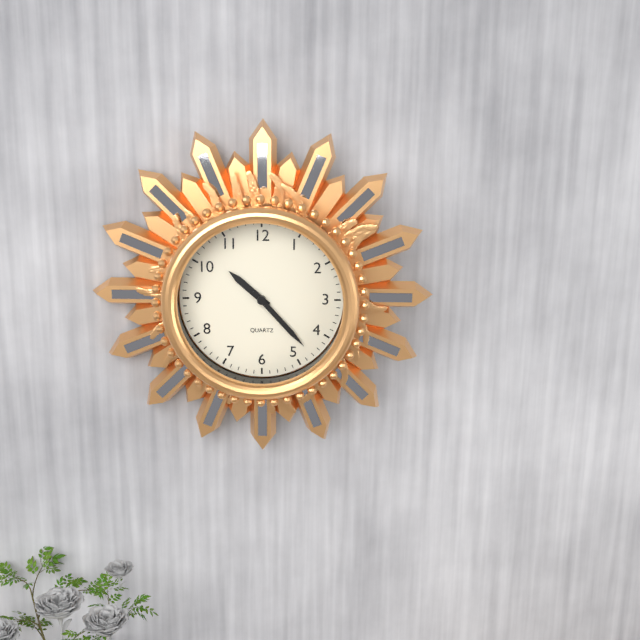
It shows **10:23**
